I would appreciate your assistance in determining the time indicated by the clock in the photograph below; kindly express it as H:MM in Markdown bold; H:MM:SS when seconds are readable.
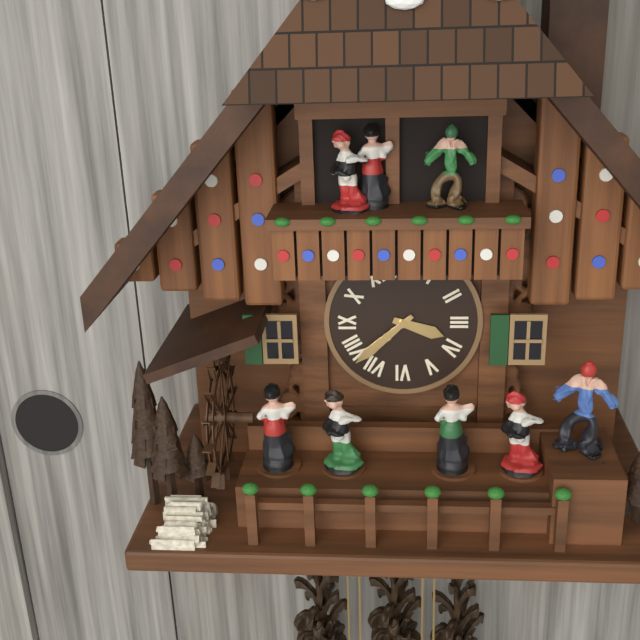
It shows **3:38**
